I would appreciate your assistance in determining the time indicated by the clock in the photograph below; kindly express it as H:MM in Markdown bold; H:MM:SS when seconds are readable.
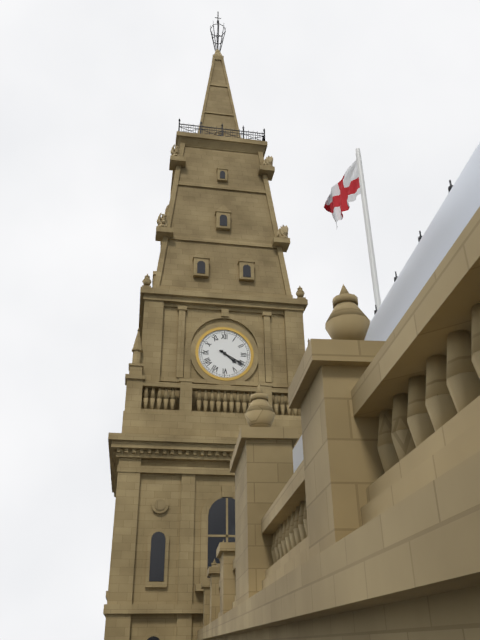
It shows **4:20**
